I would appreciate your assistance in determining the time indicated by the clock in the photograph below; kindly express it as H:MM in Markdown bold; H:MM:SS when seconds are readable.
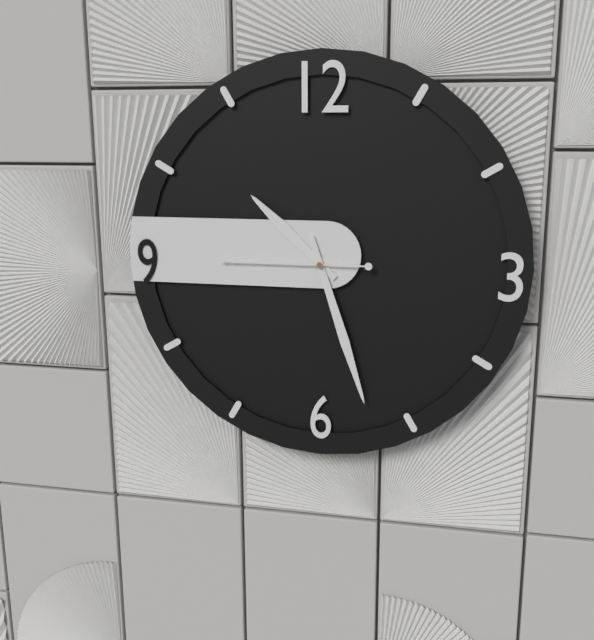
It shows **10:27:45**
